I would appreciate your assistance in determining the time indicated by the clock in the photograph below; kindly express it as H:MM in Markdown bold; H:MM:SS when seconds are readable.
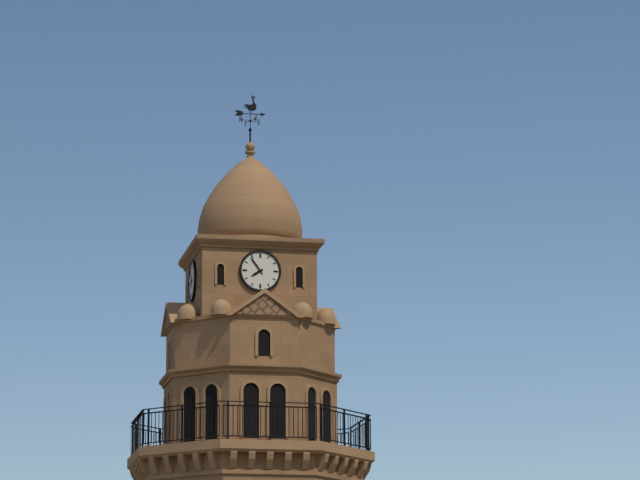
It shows **7:54**
